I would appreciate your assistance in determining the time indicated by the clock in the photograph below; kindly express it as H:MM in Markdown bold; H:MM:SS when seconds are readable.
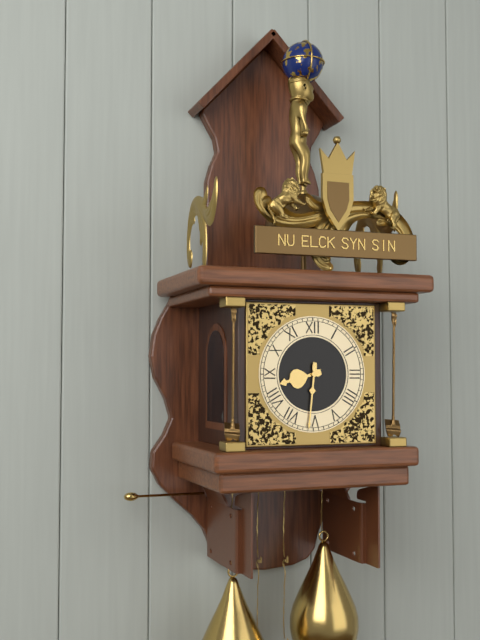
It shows **8:31**
